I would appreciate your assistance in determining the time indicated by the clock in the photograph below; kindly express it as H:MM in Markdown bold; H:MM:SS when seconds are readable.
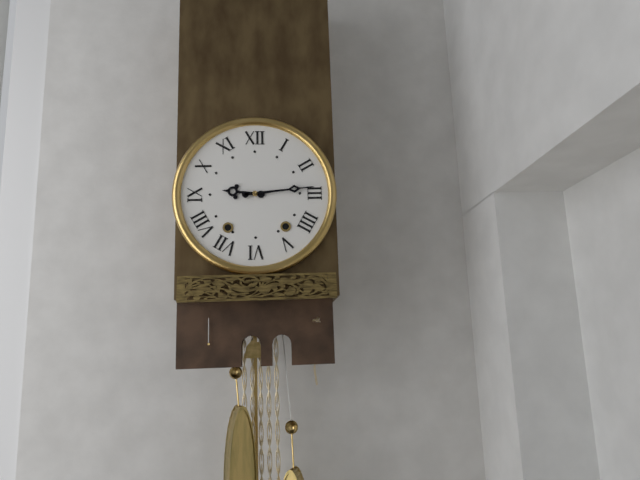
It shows **9:14**
